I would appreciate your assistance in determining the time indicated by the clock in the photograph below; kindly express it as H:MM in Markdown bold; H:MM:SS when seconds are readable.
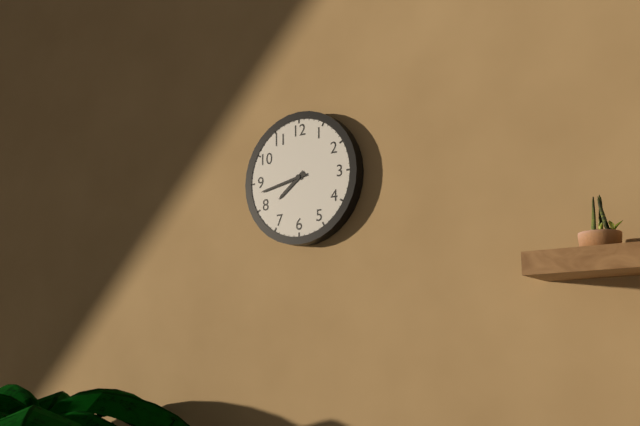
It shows **7:43**
